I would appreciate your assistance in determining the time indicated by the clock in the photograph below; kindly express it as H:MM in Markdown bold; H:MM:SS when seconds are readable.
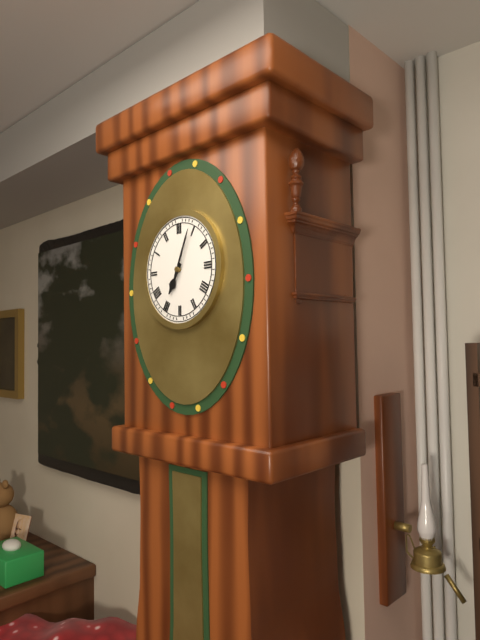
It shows **7:04**
